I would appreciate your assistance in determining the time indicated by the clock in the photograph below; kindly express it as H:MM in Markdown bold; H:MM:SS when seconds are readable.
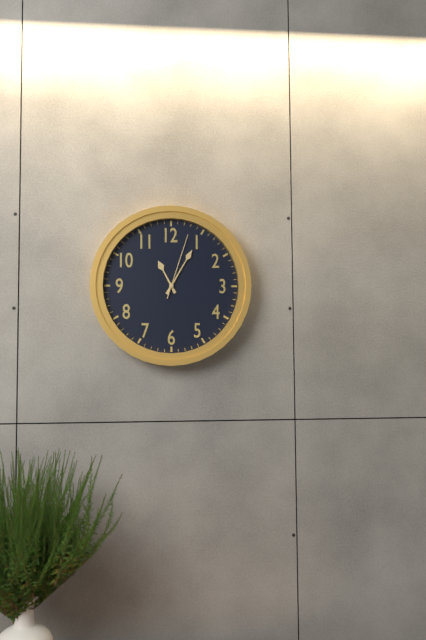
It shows **11:05:03**
